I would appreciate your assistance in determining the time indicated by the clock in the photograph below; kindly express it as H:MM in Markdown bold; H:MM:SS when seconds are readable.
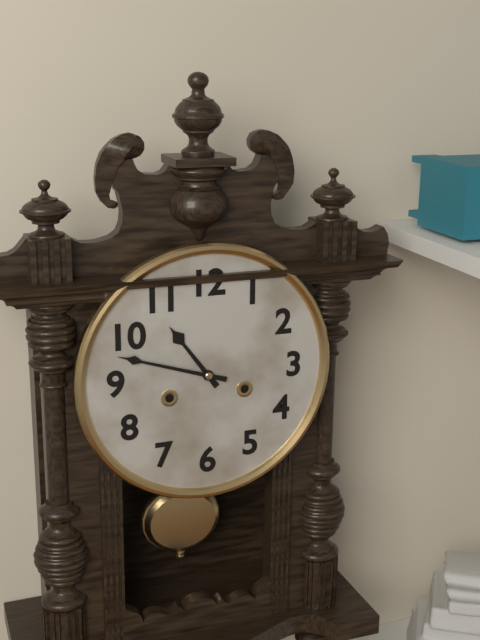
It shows **10:48**
